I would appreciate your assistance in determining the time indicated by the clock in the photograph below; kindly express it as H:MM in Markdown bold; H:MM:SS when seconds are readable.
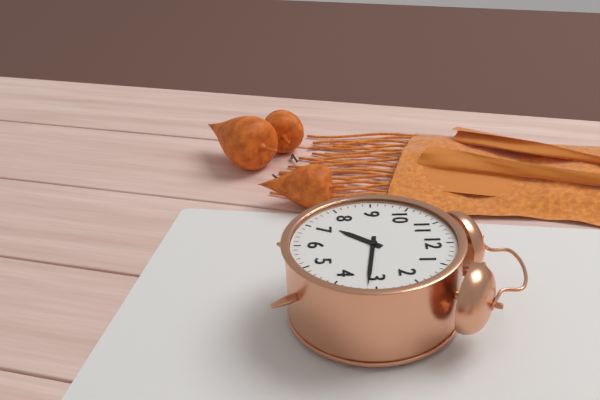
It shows **7:16**
